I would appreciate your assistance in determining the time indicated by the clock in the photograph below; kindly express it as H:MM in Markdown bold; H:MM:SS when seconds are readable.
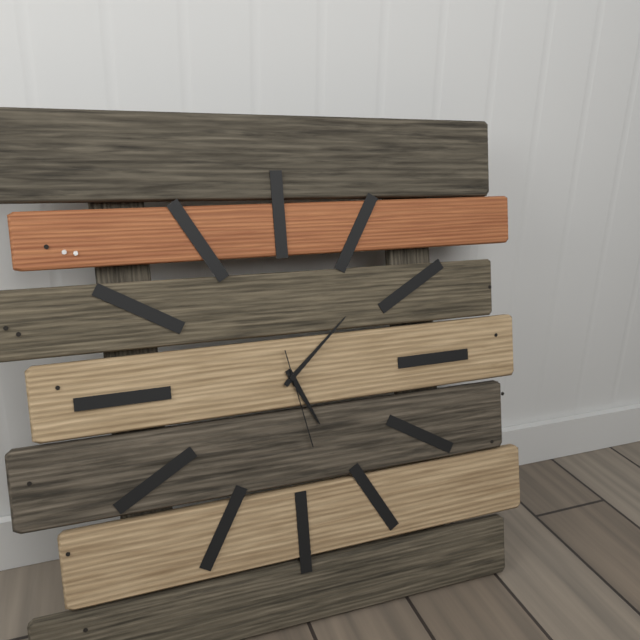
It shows **5:08:28**
